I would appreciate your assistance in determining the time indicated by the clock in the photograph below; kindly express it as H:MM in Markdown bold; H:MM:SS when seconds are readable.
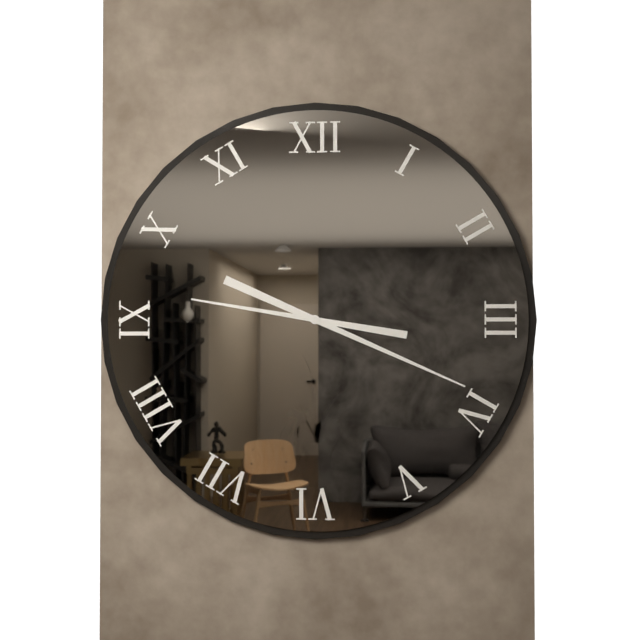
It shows **9:19**
